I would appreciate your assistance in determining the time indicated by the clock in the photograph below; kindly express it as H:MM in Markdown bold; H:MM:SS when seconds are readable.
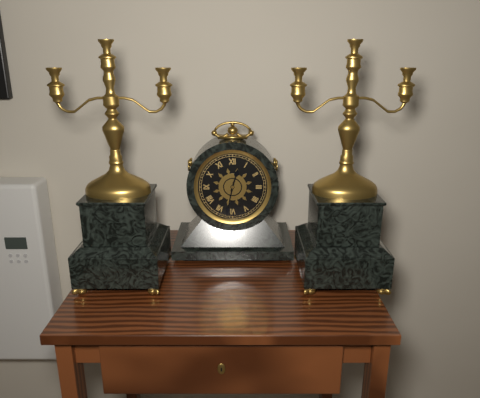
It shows **12:32**
